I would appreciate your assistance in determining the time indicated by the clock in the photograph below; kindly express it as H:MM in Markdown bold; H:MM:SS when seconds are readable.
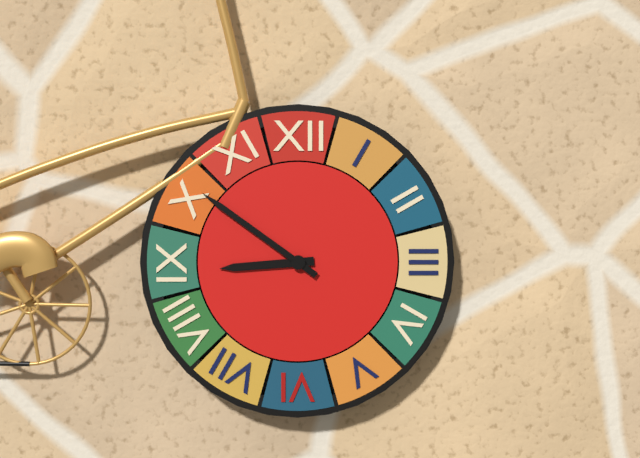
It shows **8:51**
